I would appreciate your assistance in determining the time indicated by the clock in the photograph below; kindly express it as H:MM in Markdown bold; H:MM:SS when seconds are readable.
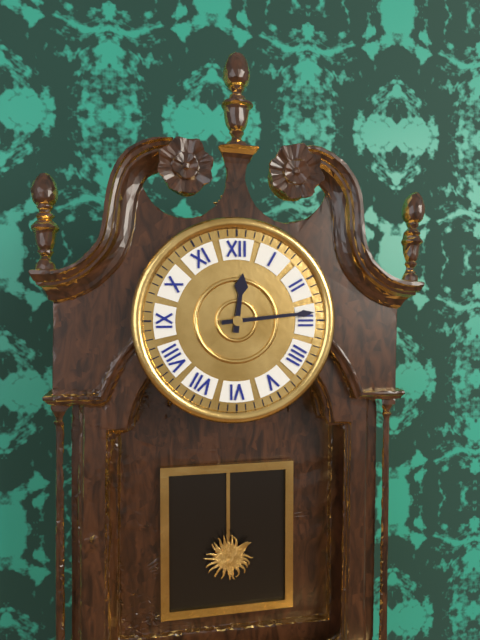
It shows **12:14**
